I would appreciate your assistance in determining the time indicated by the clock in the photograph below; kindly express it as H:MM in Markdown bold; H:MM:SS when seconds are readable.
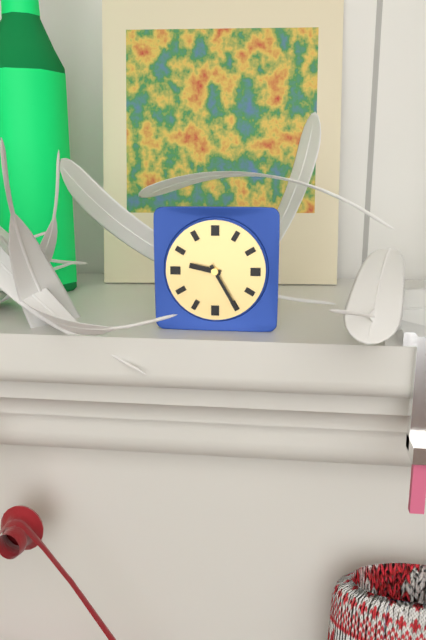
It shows **9:25**
